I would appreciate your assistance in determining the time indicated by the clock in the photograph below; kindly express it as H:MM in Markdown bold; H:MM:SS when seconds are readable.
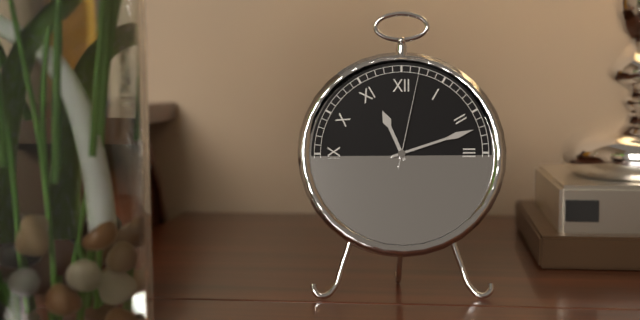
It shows **11:12:02**
